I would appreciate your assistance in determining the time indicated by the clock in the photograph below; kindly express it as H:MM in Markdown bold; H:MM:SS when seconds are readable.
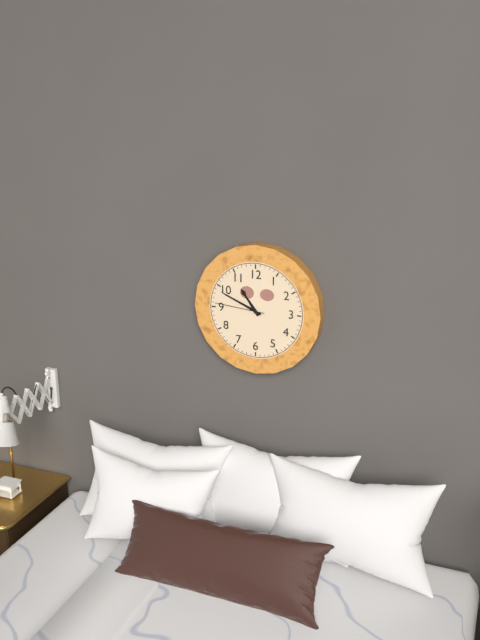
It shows **10:49:46**
